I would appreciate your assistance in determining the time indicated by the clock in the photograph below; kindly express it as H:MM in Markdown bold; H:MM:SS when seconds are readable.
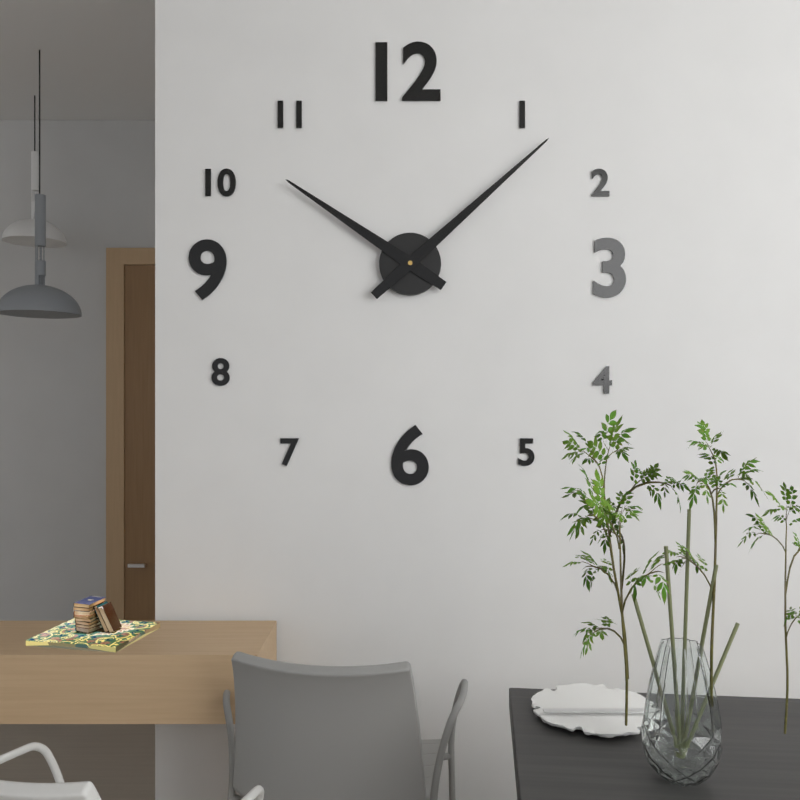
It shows **10:08**
